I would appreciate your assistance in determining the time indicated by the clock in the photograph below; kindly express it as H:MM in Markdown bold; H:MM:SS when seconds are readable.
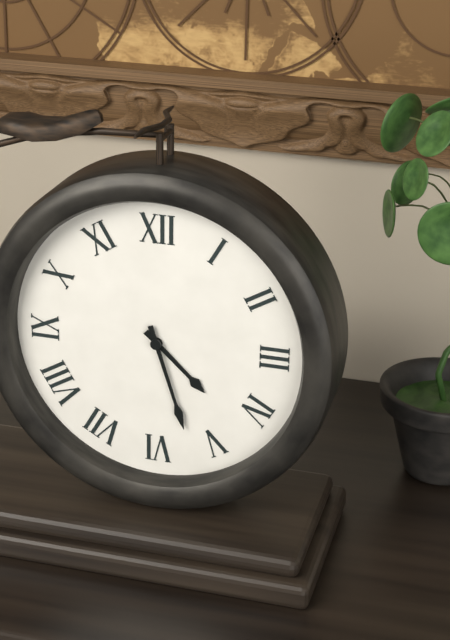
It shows **4:27**
